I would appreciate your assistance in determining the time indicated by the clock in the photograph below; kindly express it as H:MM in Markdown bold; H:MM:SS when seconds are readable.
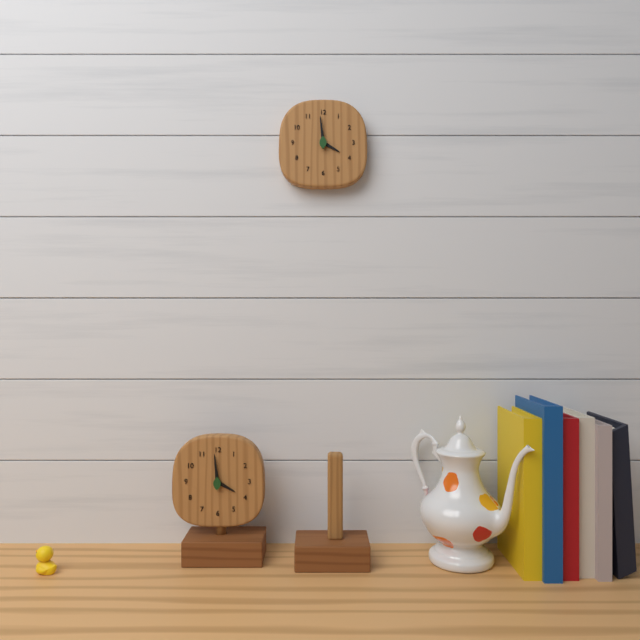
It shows **3:59**
